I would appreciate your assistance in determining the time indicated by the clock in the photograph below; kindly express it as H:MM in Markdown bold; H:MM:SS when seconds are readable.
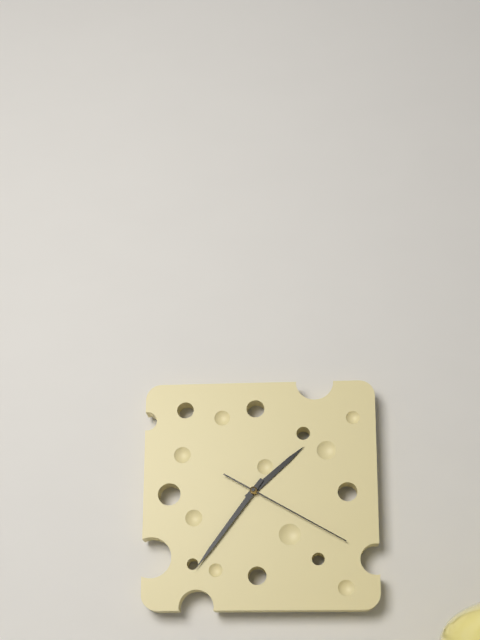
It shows **1:36:20**
